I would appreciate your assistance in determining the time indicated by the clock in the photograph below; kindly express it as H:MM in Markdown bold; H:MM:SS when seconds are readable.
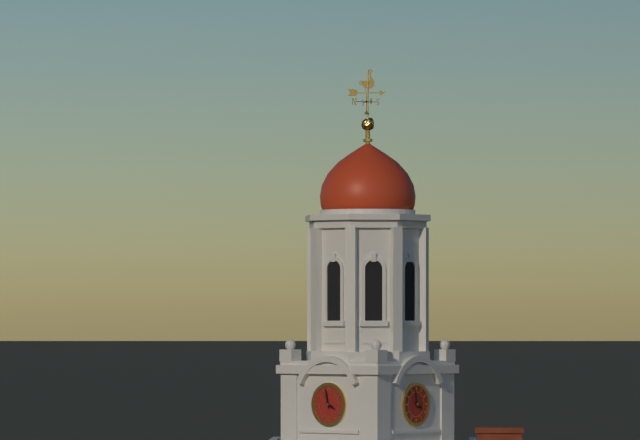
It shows **3:58**
